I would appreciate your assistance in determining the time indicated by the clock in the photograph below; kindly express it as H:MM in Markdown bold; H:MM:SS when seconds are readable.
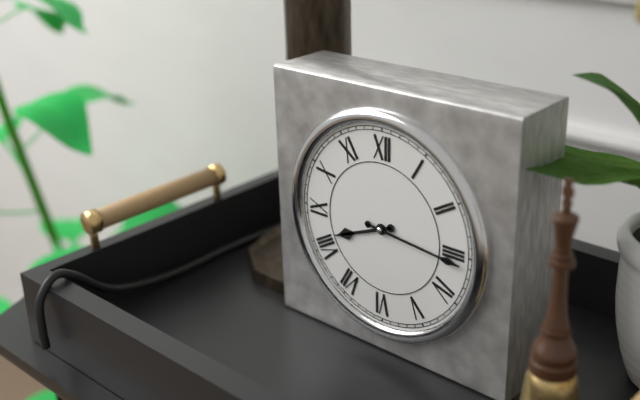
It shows **8:16**
